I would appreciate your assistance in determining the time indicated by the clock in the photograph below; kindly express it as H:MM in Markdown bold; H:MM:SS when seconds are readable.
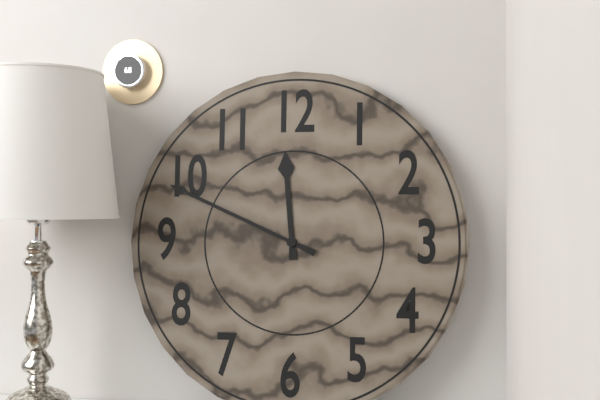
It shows **11:49**
